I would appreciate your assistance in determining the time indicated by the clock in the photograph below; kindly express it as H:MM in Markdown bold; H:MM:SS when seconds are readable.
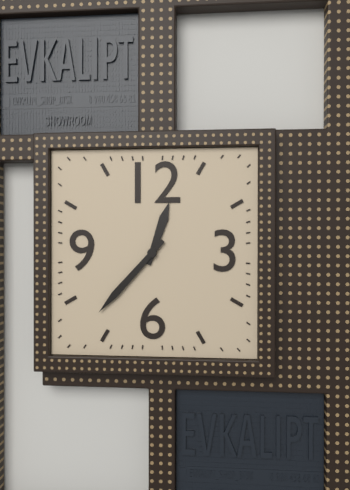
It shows **12:37**
